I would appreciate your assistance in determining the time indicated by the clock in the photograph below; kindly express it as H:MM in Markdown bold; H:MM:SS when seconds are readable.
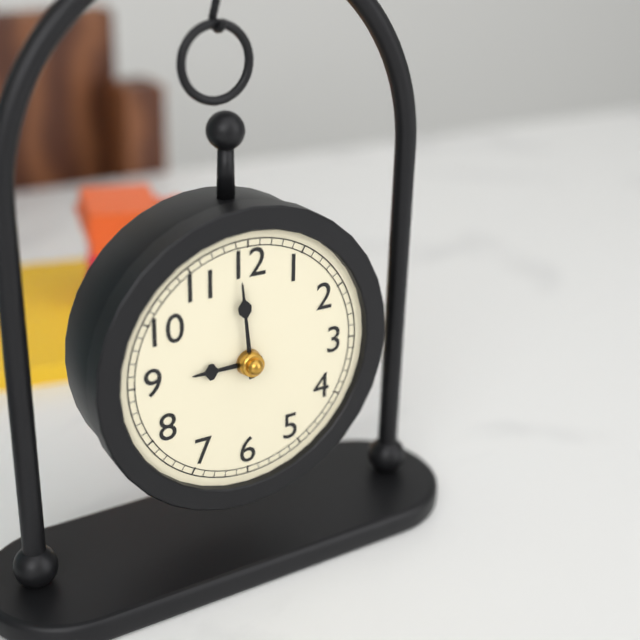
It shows **8:59**
